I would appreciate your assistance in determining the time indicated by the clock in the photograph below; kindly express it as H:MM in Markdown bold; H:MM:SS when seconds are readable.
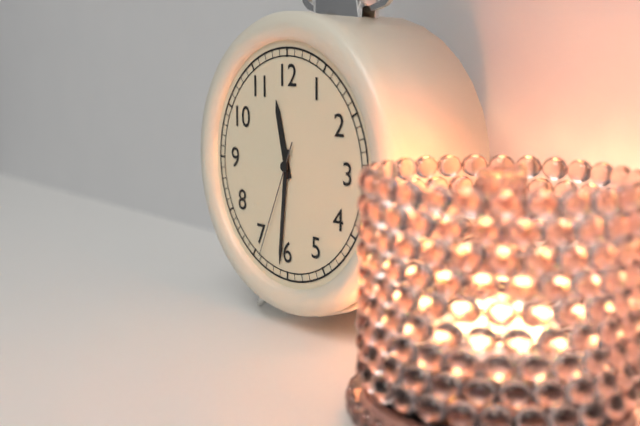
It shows **11:31:34**
